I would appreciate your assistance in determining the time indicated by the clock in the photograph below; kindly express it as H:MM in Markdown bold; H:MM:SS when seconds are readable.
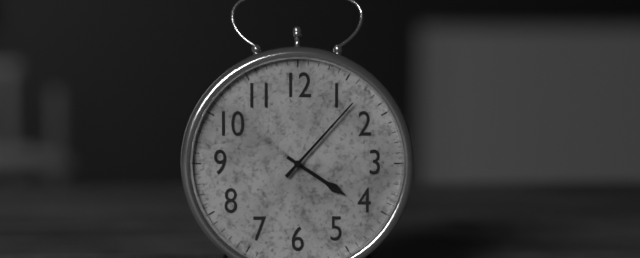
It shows **4:07**
